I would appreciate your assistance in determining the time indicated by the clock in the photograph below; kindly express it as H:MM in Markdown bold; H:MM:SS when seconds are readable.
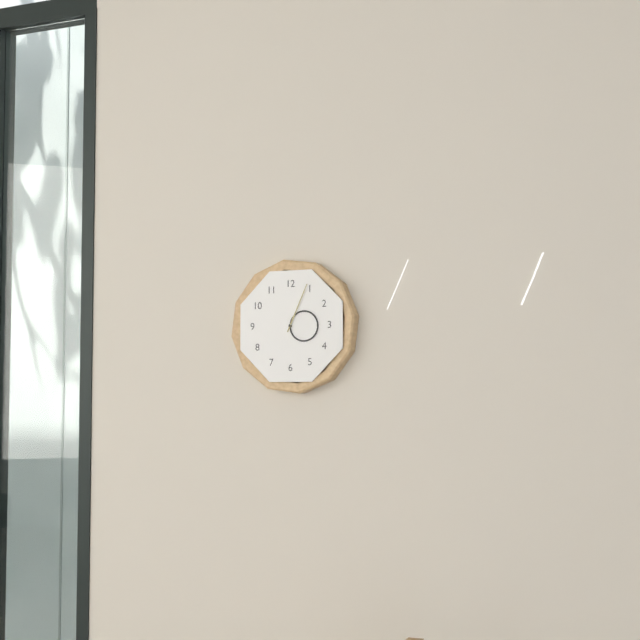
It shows **3:04**
